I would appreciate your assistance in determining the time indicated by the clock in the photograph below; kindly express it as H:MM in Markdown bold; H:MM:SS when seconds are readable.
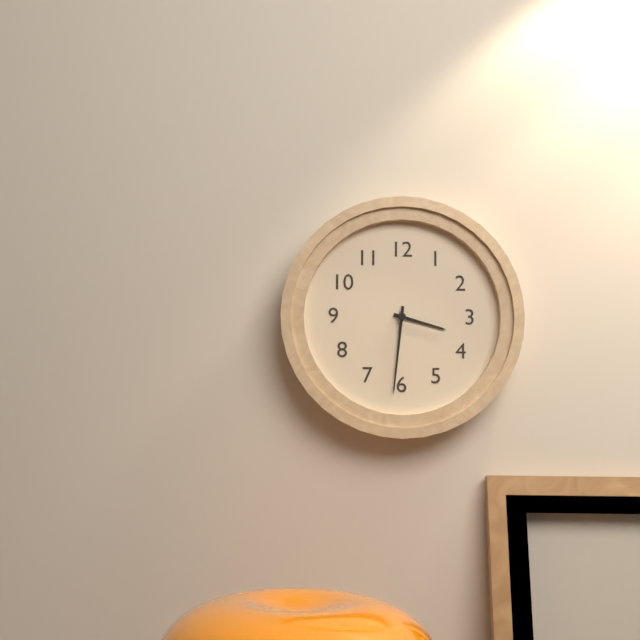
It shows **3:31**
